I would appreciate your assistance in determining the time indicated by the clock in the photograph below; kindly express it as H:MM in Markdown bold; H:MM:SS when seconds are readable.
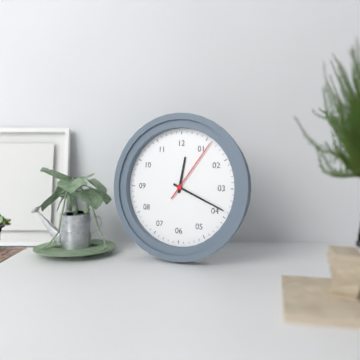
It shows **12:19:06**
